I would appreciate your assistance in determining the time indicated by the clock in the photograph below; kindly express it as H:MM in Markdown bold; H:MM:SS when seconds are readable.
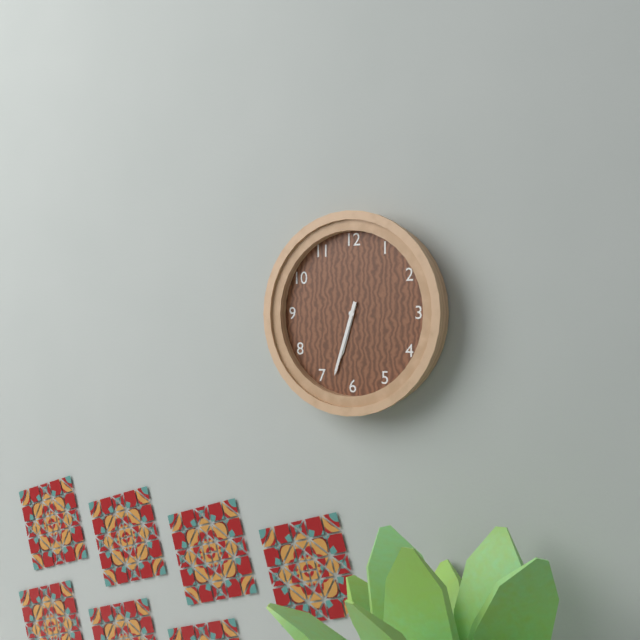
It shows **6:33**
